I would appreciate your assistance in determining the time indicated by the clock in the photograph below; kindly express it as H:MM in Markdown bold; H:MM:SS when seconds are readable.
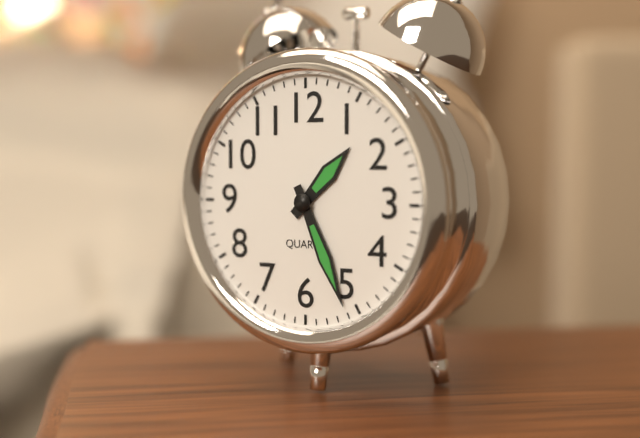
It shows **1:26**
